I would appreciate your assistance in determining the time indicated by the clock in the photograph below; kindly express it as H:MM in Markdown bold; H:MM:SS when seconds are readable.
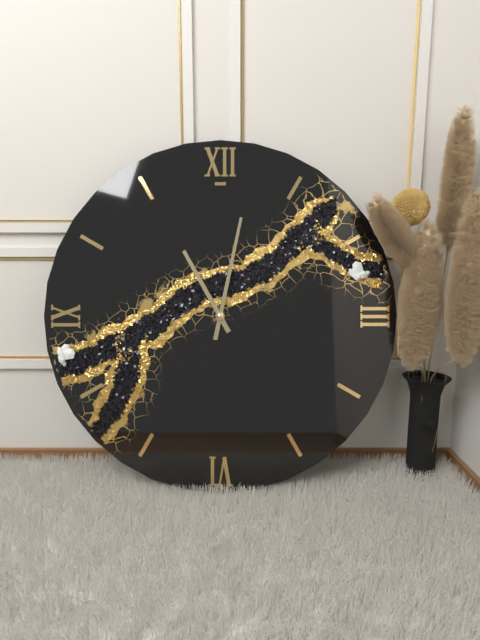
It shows **11:02**
